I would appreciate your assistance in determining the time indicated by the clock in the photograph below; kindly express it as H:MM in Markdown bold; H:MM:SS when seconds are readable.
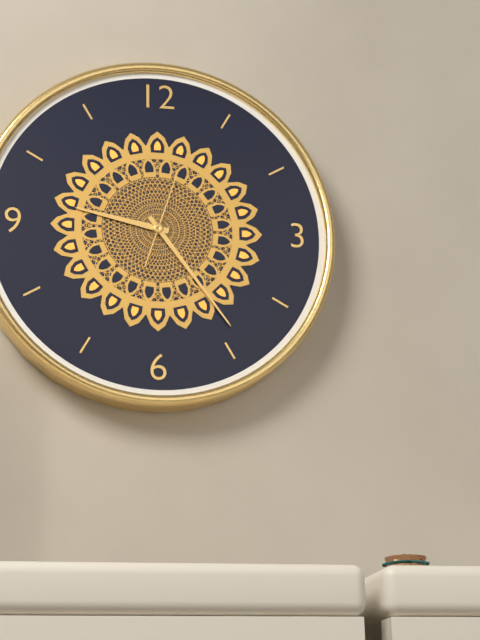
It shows **9:24:03**
